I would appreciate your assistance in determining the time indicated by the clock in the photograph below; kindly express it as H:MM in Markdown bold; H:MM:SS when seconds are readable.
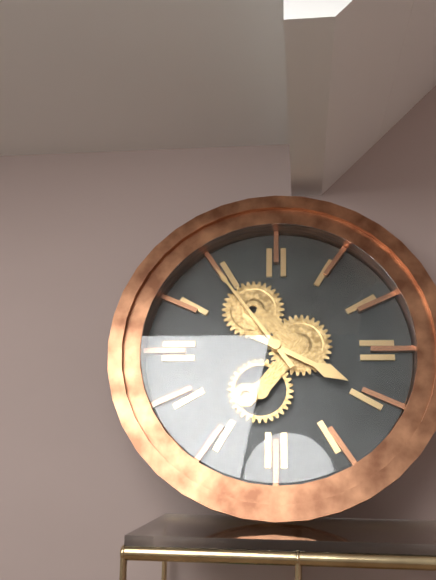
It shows **3:54**
